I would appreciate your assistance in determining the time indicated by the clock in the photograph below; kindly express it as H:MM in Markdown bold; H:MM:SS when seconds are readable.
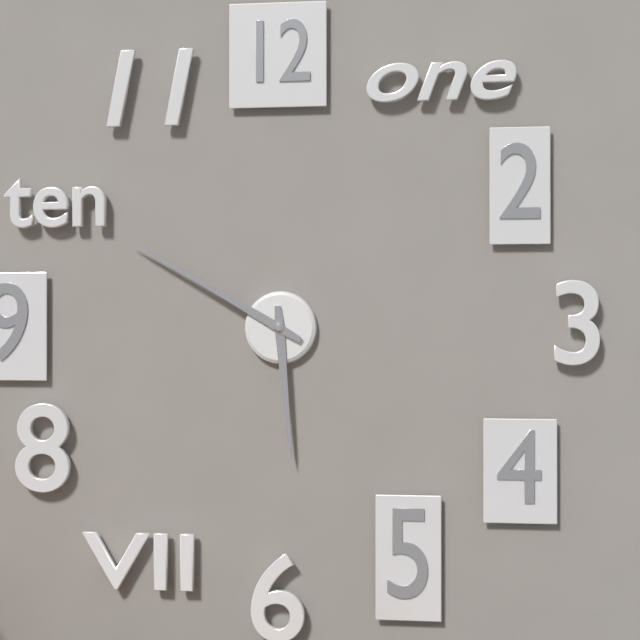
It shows **5:50**
